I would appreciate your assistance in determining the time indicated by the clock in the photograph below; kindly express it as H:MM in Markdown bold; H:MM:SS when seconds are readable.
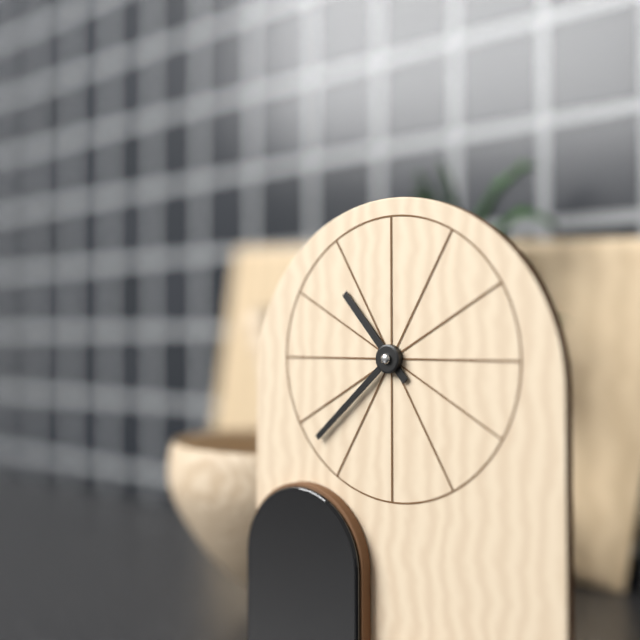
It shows **10:38**
